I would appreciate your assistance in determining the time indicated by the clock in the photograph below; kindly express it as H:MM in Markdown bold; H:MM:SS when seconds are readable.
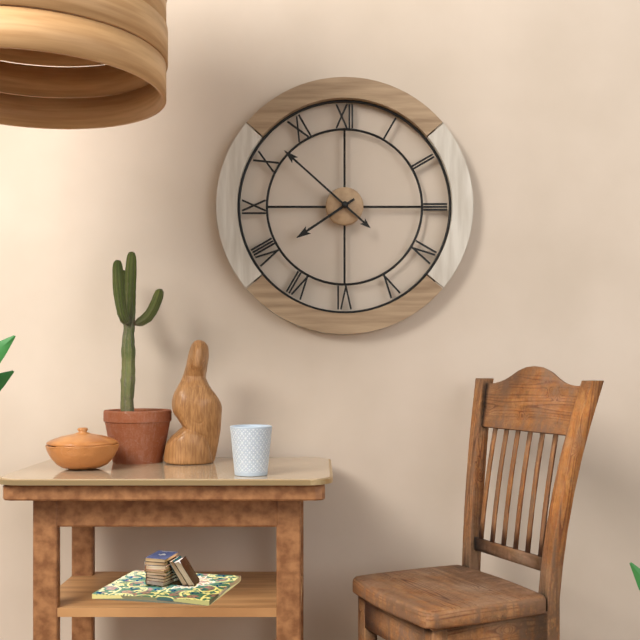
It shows **7:52**
